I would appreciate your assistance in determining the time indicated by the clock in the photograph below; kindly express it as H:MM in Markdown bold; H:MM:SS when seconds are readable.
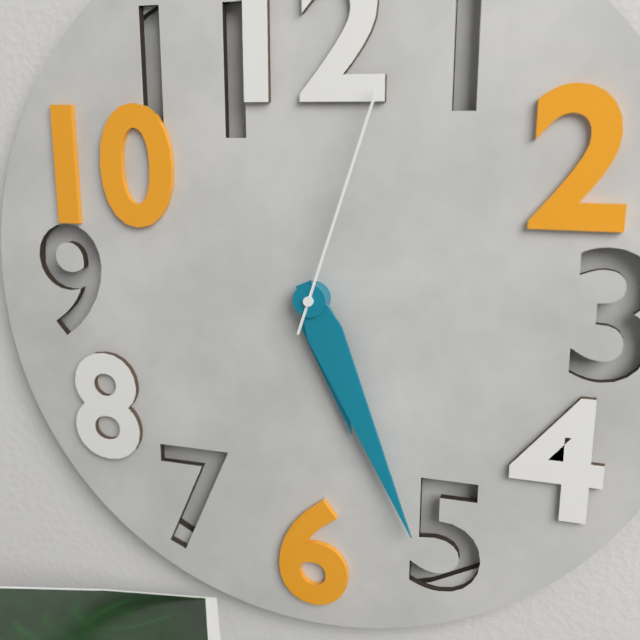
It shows **5:26:03**
